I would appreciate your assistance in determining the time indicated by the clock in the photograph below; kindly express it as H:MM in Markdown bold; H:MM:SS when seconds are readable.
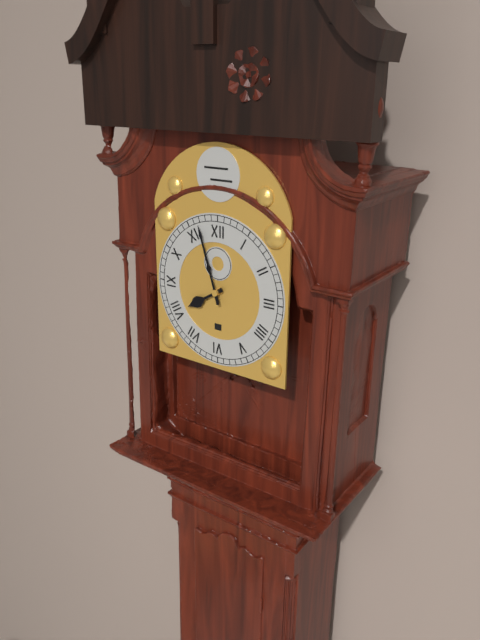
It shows **7:57**
